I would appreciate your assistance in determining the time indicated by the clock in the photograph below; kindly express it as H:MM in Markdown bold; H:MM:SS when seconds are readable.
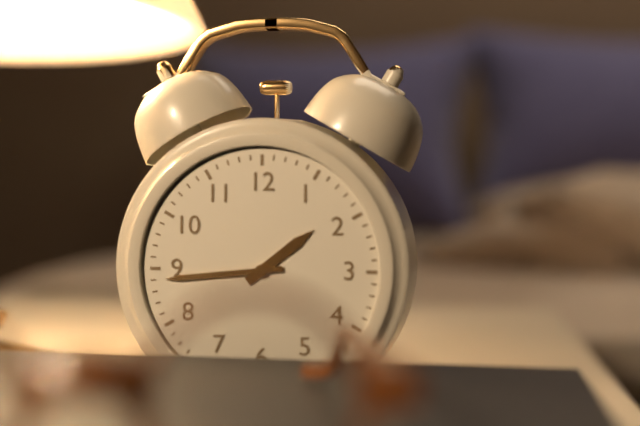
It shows **1:44**
